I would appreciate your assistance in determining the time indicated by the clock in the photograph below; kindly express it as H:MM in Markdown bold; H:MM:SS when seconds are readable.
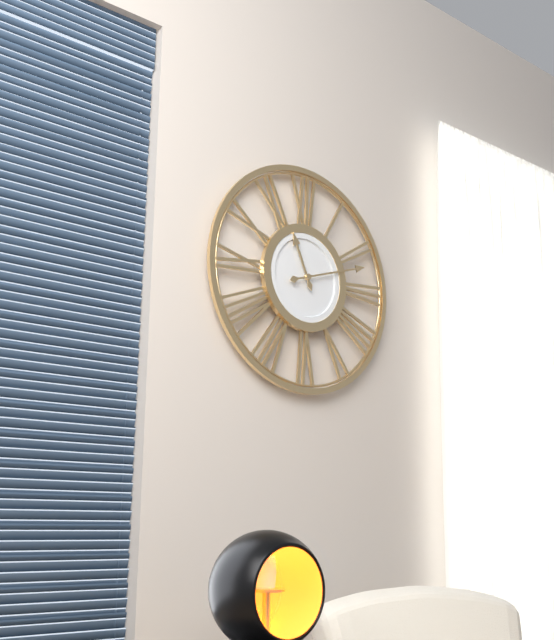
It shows **11:12**
